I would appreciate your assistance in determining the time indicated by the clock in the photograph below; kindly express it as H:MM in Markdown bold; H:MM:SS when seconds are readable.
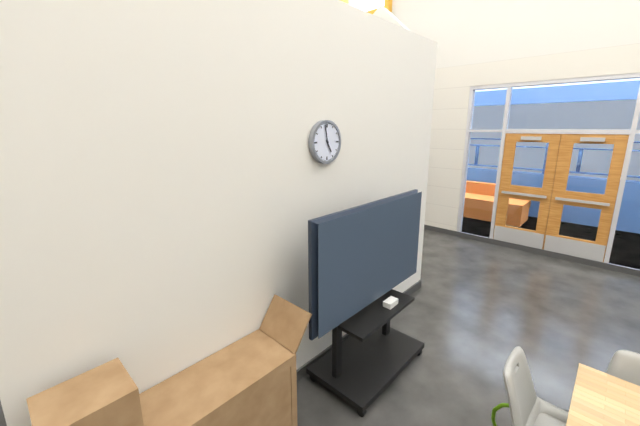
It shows **4:58**
